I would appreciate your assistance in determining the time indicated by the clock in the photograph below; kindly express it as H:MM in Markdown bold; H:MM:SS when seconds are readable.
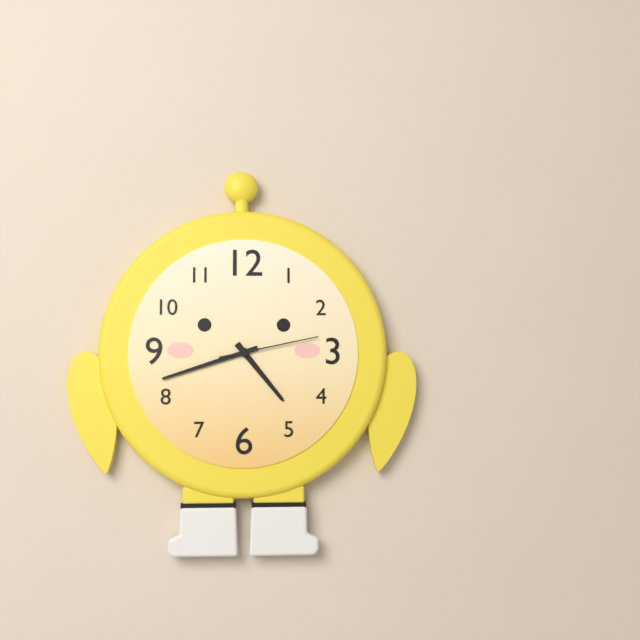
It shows **4:42:13**
